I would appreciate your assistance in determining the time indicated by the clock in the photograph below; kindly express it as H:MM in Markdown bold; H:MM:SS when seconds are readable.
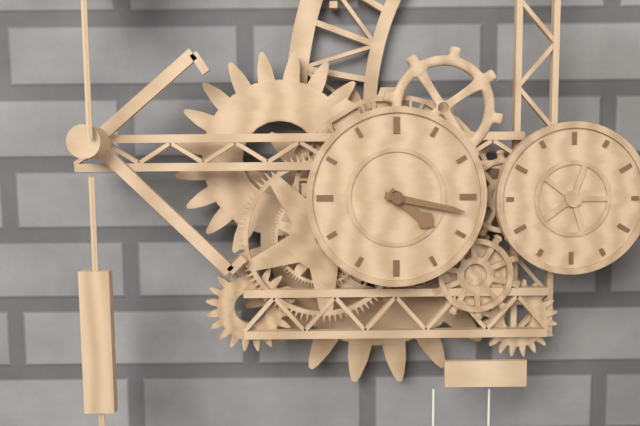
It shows **4:17**
